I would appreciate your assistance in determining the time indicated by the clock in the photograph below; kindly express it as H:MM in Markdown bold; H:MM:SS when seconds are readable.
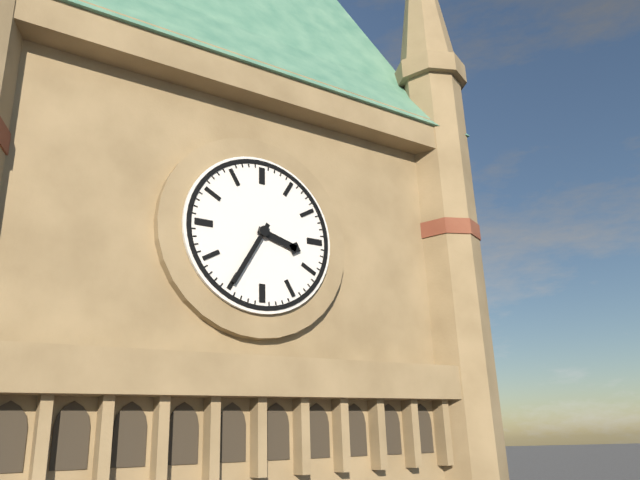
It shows **3:35**
